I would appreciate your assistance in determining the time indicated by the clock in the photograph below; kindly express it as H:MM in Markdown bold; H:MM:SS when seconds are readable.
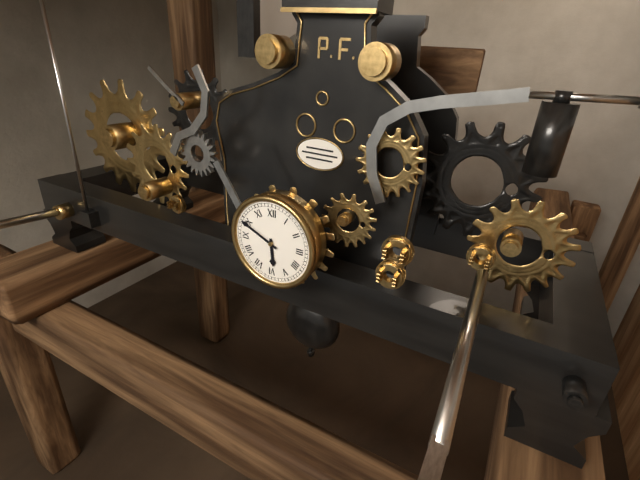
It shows **5:49**
